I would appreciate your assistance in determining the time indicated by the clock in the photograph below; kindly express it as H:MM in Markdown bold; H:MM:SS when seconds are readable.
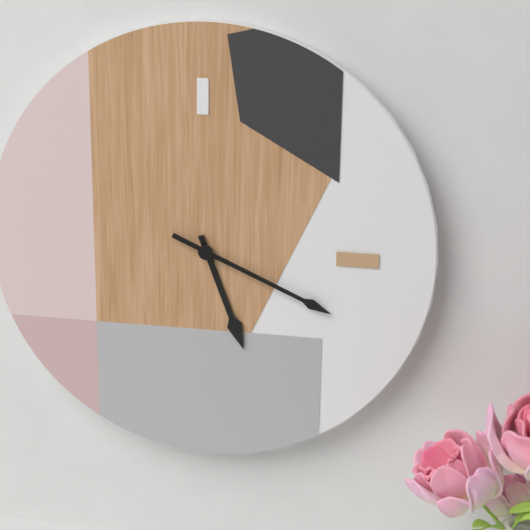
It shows **5:19**
